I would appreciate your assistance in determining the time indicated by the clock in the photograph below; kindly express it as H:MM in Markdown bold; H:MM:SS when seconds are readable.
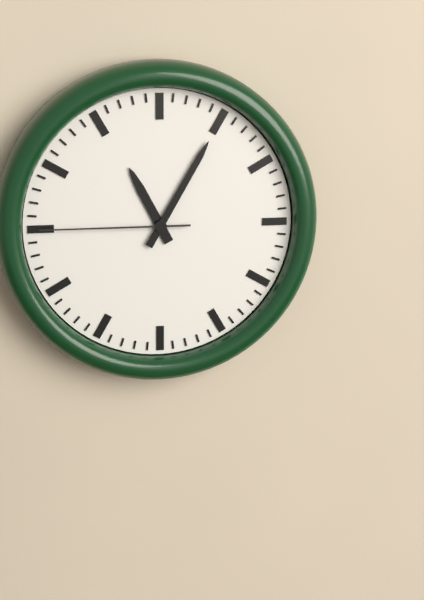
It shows **11:05:45**
